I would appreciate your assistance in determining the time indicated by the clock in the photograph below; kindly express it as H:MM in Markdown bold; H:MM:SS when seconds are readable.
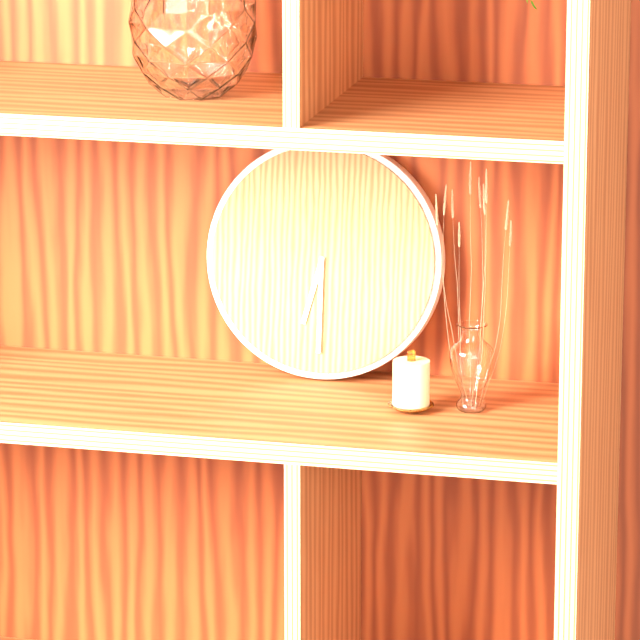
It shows **6:30**
